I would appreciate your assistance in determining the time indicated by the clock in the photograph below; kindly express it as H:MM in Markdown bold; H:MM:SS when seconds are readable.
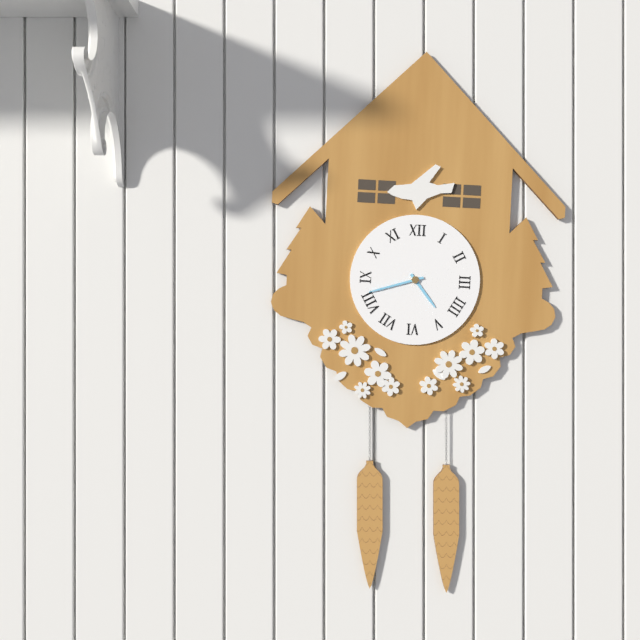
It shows **4:42**
